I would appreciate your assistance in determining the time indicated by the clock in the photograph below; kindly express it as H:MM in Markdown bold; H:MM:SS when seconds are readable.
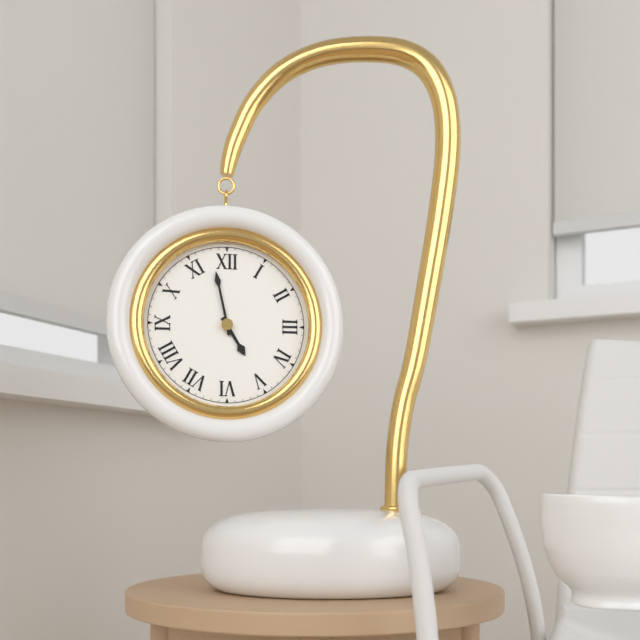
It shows **4:58**
